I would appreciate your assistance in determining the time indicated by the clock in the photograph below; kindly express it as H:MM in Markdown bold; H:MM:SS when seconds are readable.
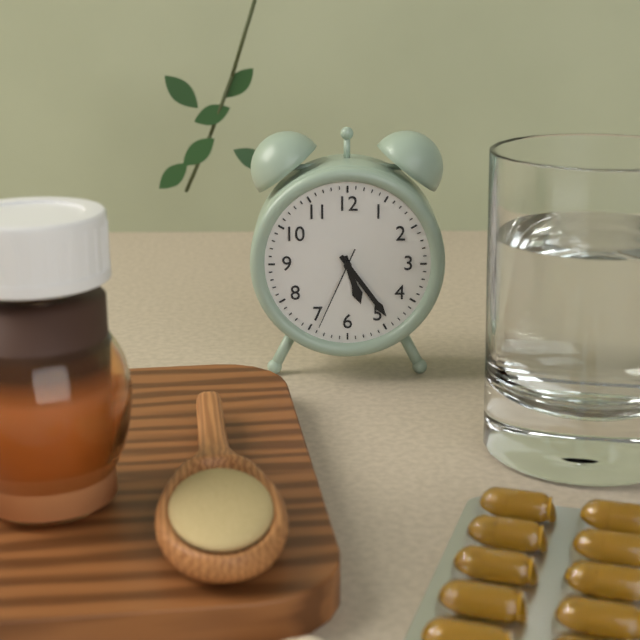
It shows **5:24:34**
